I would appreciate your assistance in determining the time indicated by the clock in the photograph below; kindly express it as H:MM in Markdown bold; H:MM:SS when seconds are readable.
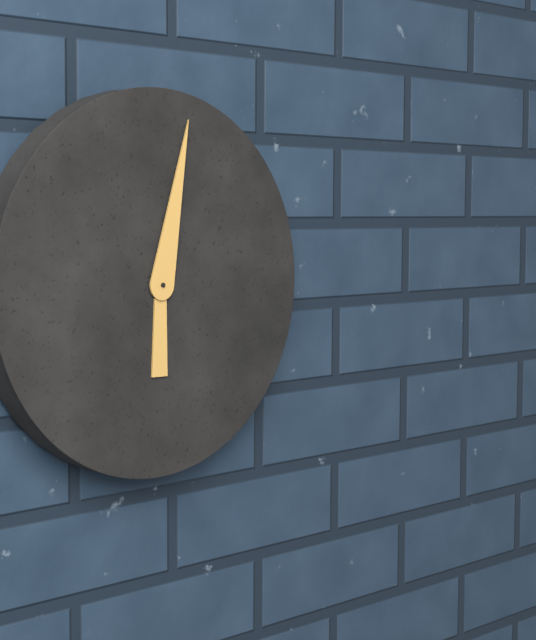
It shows **6:02**
